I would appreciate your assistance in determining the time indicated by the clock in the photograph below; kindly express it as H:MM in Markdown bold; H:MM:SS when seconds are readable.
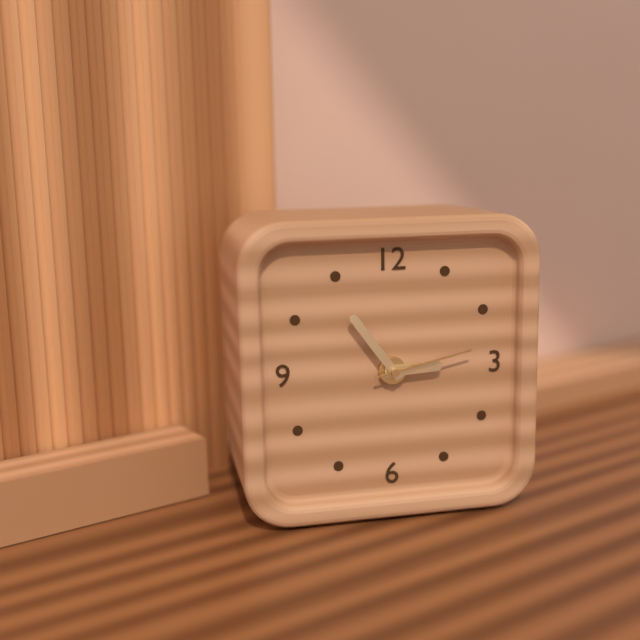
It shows **2:54:13**
